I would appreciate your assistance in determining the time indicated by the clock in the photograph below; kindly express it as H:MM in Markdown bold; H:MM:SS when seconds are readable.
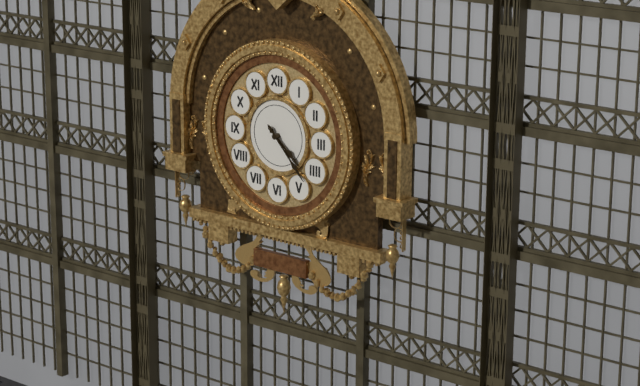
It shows **4:23**
